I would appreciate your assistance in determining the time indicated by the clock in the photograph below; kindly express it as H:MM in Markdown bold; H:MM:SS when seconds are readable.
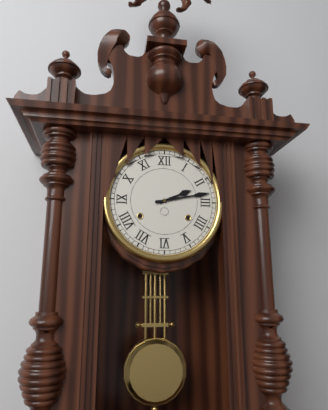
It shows **2:13**
